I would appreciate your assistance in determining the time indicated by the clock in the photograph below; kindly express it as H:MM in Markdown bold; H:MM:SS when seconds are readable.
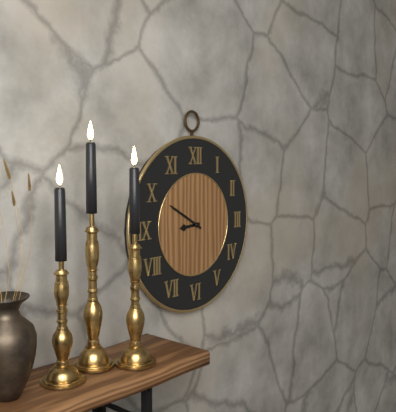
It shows **8:50**
